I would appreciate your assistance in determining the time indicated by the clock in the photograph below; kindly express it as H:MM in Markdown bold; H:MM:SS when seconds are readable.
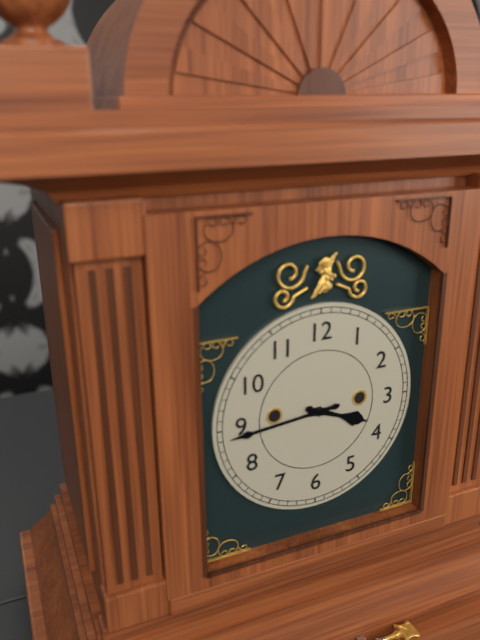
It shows **3:44**
